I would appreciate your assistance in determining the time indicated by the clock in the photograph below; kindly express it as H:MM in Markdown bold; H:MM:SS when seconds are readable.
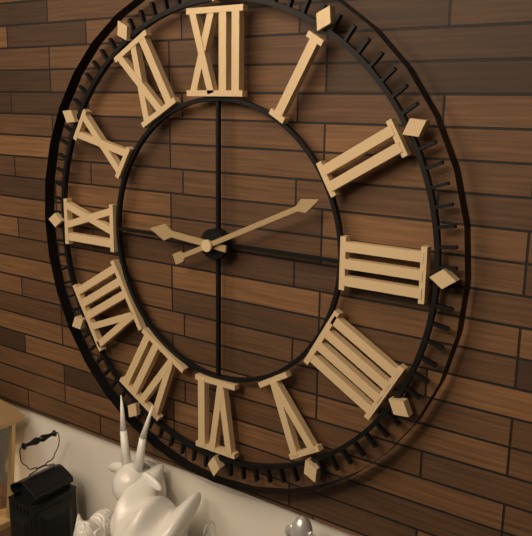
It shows **9:11**
